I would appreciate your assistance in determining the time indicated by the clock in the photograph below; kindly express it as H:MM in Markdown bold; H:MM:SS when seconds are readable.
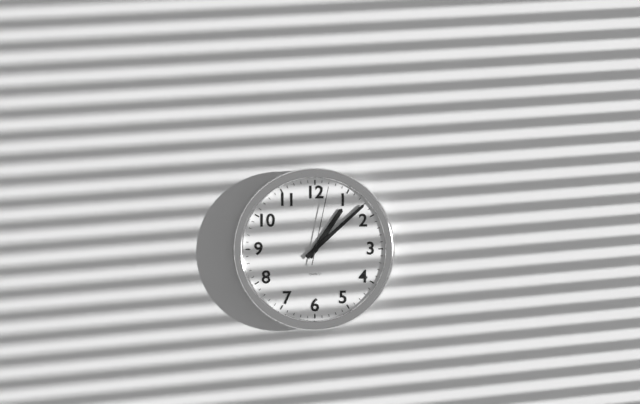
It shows **1:08:02**
